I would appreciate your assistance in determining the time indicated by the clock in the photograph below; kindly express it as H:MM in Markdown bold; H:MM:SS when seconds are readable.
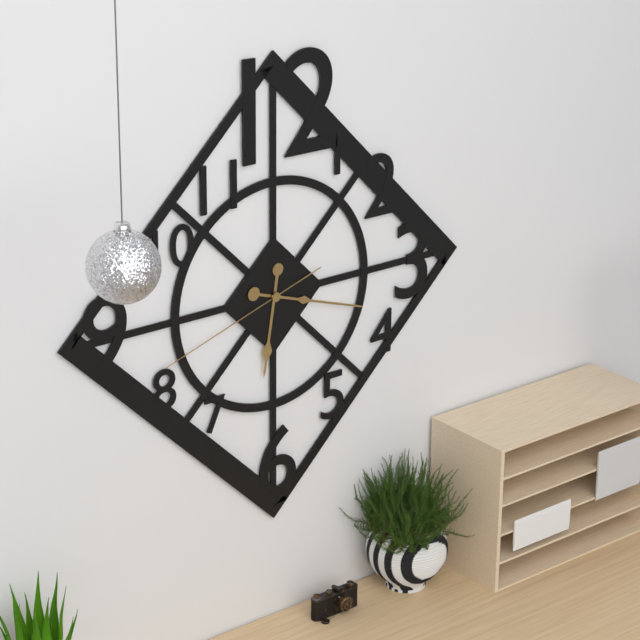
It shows **6:18:42**
